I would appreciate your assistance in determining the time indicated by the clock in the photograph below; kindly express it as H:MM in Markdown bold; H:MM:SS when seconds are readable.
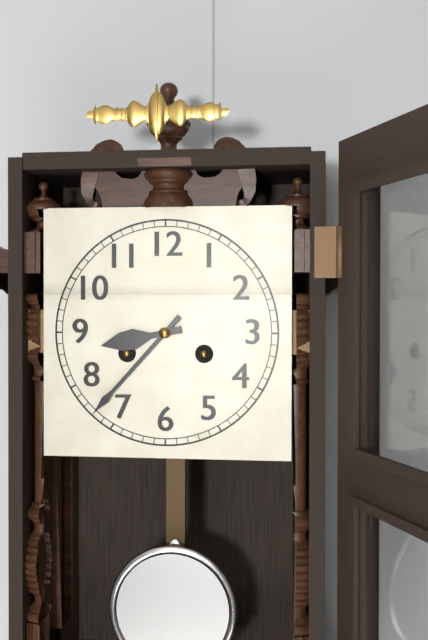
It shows **8:37**
